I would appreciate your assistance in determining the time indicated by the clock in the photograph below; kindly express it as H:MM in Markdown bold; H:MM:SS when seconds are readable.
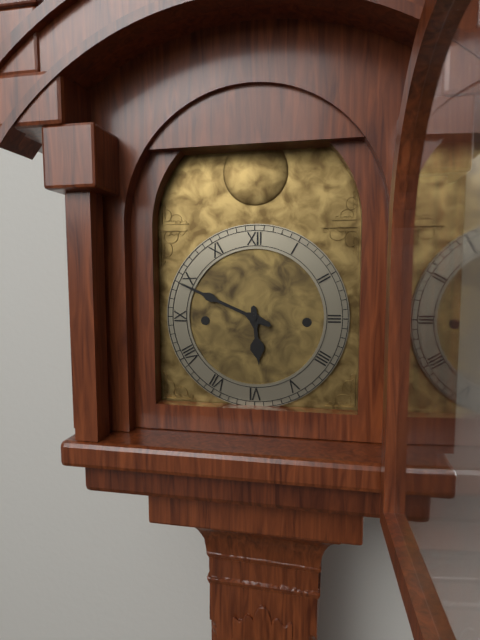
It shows **5:49**
